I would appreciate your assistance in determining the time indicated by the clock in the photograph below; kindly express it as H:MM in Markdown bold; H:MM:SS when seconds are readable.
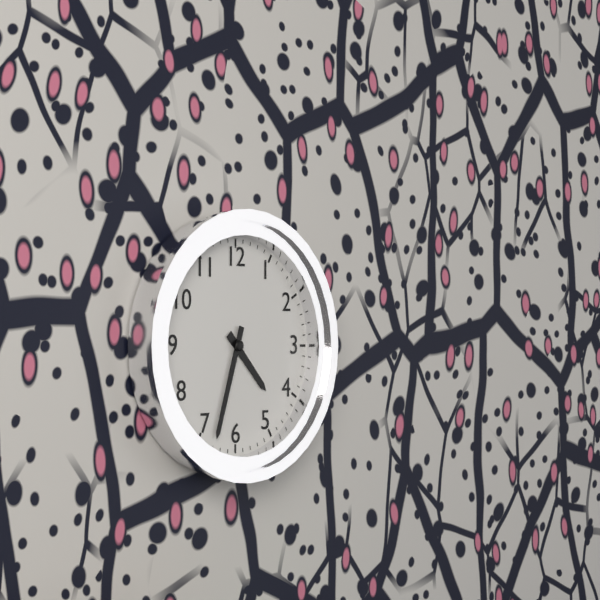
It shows **4:33**
